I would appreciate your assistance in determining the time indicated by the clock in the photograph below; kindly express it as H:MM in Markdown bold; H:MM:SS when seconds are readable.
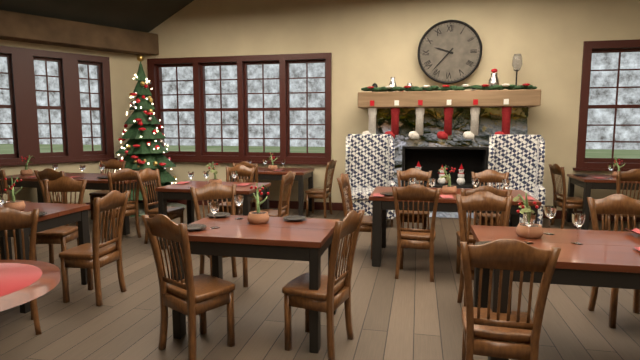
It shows **9:37**
